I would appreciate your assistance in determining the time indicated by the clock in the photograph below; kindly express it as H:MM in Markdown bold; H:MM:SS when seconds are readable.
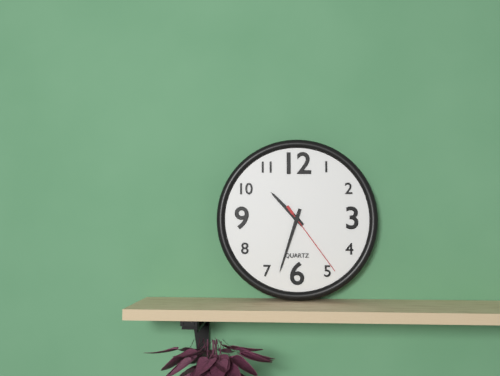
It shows **10:33:24**
